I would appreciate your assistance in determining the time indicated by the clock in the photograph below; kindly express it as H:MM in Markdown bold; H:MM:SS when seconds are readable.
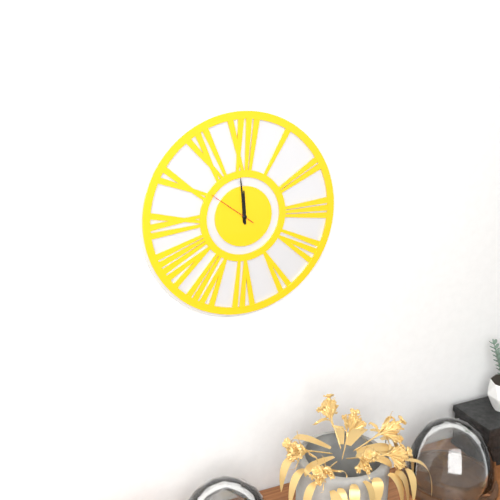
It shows **11:59**
